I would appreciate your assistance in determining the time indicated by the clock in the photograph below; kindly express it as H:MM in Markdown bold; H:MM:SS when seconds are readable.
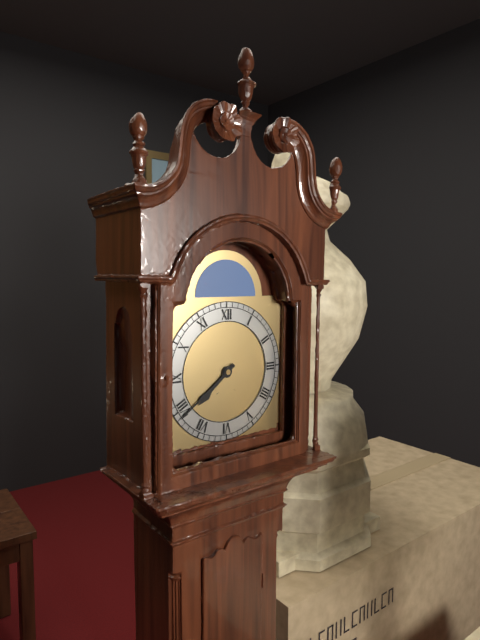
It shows **7:39**
